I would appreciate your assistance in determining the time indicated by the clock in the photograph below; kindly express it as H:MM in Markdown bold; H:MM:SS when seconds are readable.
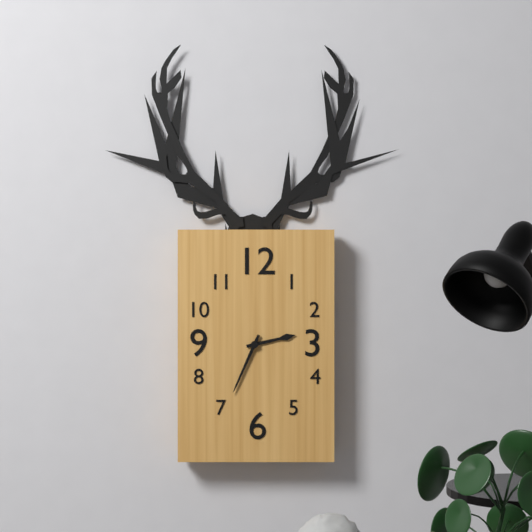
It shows **2:34**
